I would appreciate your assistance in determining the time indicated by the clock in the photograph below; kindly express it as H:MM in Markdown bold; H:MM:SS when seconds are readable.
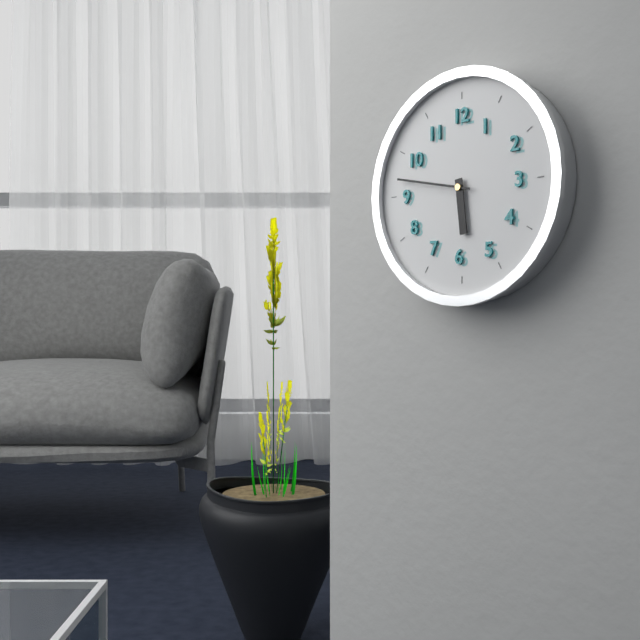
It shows **5:47**
